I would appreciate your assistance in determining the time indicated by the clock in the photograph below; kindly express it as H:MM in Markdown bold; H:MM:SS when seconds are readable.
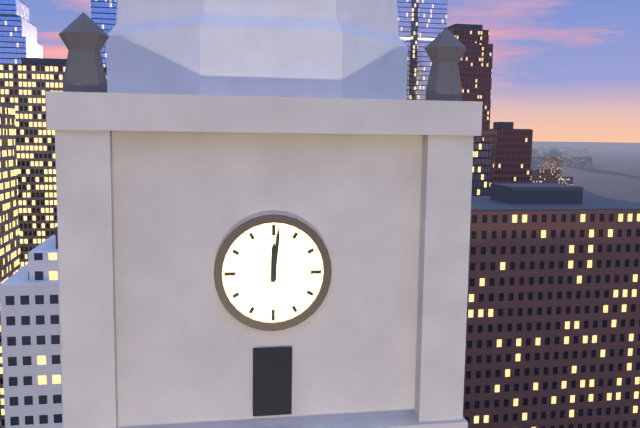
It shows **12:01**
